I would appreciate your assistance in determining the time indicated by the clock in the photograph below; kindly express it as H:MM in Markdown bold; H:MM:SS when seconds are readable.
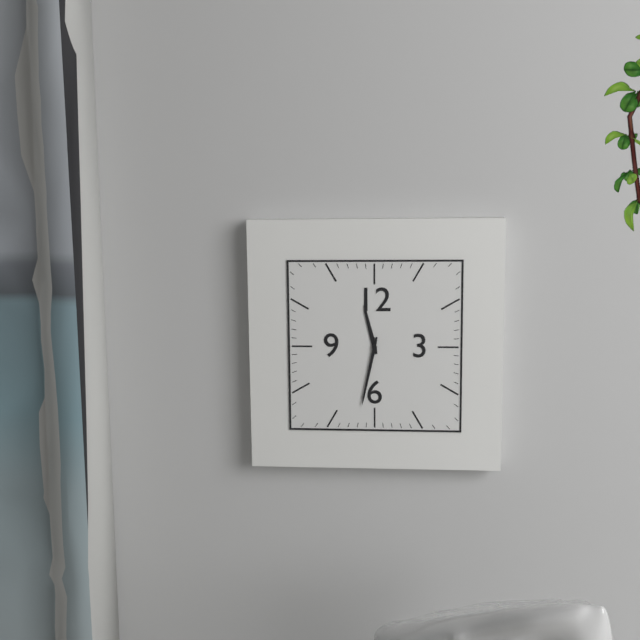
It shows **11:32**
